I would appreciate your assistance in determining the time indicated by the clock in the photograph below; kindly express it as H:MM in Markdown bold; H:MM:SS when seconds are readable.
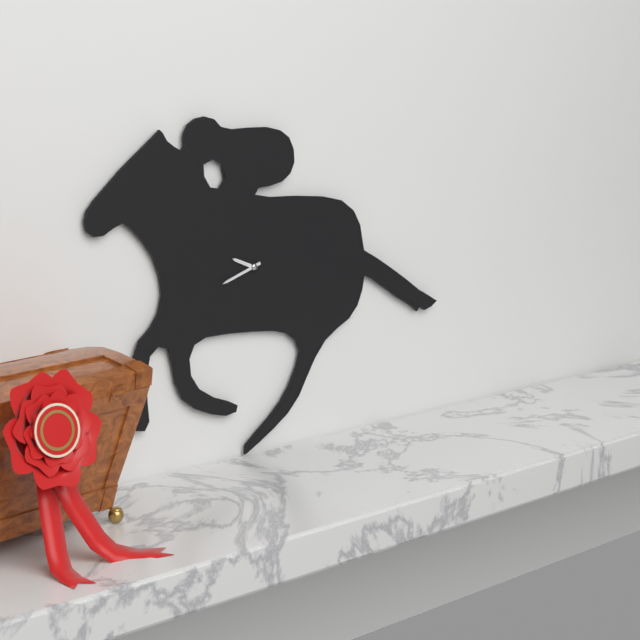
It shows **9:42**
